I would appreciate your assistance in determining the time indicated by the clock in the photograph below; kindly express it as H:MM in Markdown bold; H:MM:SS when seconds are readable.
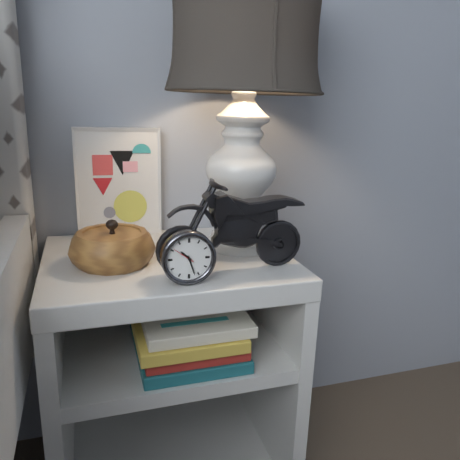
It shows **10:27**
